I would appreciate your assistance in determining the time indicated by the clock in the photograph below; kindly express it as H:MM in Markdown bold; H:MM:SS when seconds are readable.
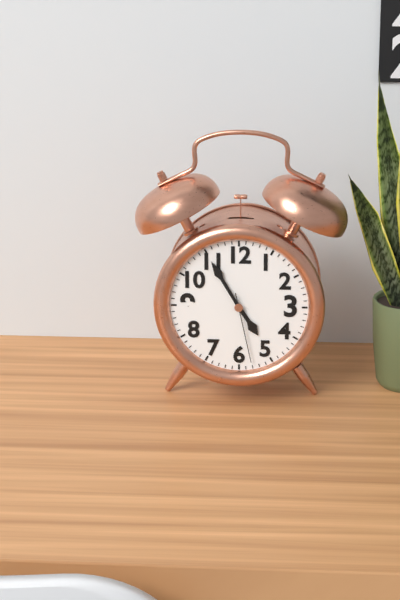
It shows **4:55:28**
